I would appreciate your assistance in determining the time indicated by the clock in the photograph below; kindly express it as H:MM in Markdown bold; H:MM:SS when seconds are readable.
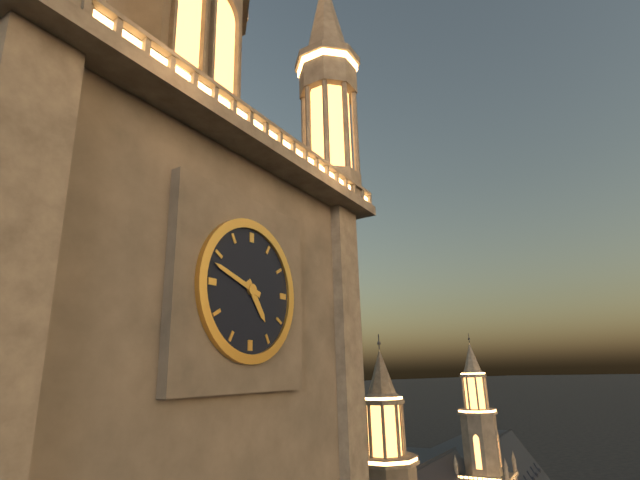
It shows **4:48**
